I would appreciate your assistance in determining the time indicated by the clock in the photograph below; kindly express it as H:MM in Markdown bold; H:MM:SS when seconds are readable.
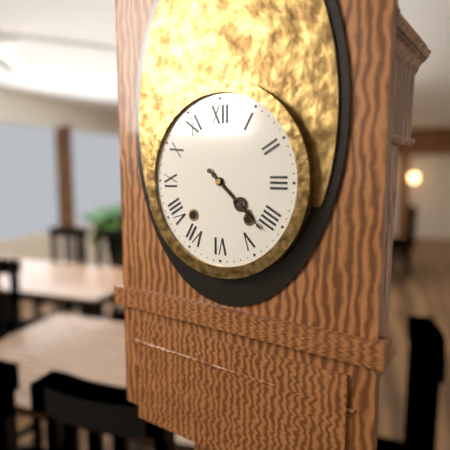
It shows **4:22**
